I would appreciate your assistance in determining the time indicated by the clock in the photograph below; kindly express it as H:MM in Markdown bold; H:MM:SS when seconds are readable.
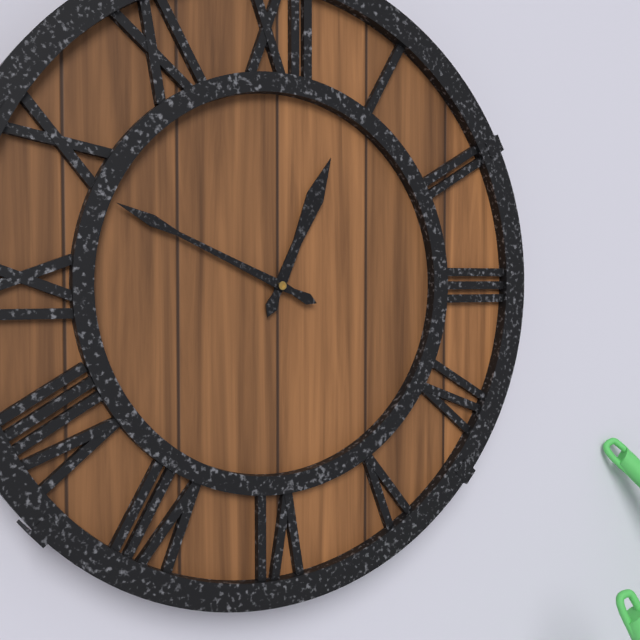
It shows **12:49**
